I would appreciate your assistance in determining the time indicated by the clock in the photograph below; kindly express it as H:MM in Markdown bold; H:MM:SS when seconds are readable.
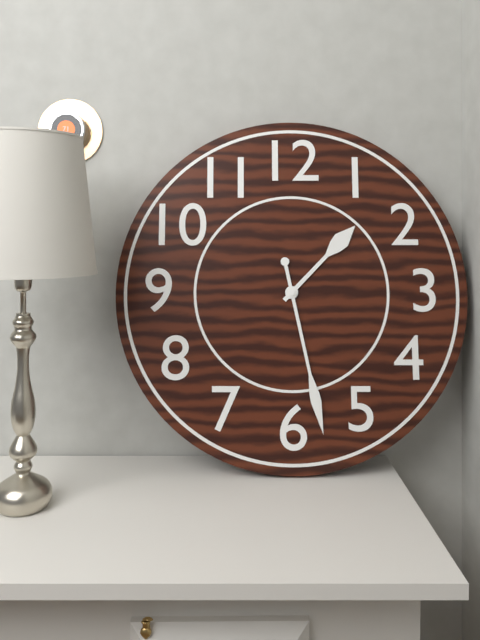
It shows **1:28**
